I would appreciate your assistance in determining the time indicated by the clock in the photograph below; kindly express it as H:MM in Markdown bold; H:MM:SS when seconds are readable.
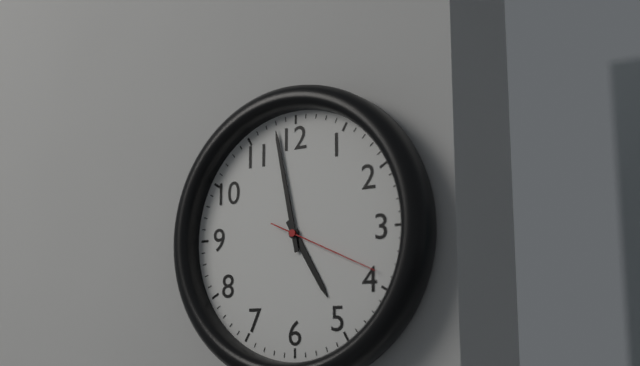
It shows **4:58:19**
